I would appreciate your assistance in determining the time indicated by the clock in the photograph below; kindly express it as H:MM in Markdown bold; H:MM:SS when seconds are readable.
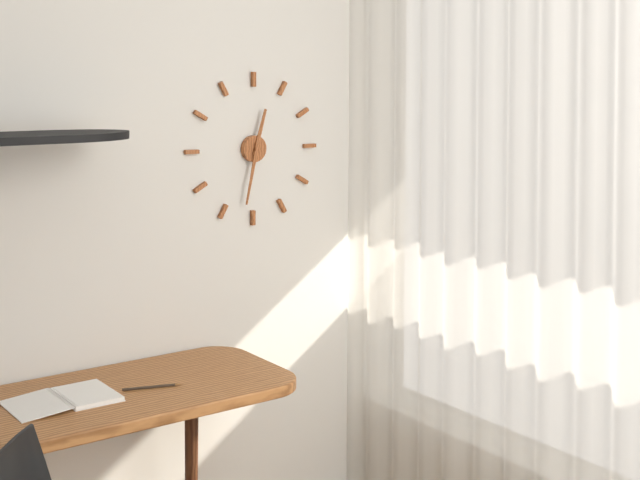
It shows **12:32**
